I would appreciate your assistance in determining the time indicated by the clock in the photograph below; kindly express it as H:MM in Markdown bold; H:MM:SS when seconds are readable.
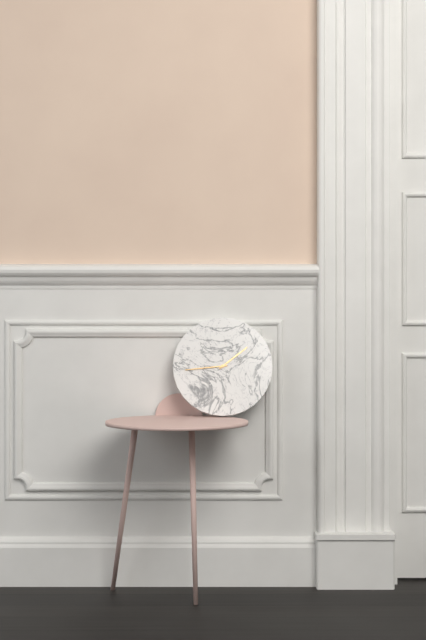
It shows **1:44**
